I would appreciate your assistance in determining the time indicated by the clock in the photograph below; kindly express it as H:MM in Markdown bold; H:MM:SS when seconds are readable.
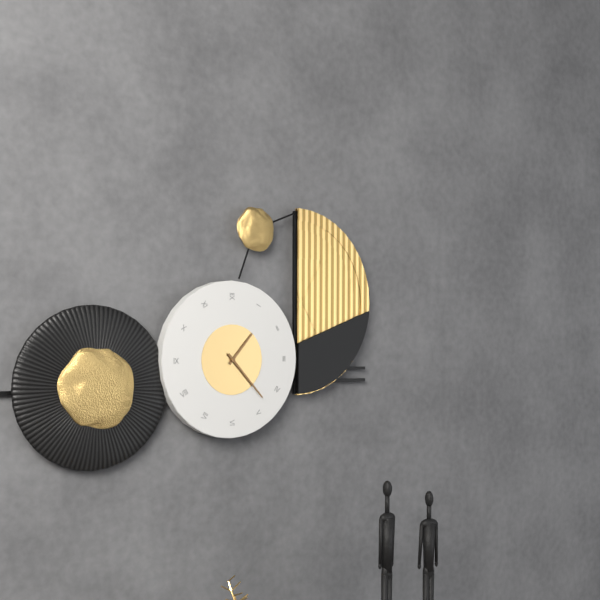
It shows **1:23**
